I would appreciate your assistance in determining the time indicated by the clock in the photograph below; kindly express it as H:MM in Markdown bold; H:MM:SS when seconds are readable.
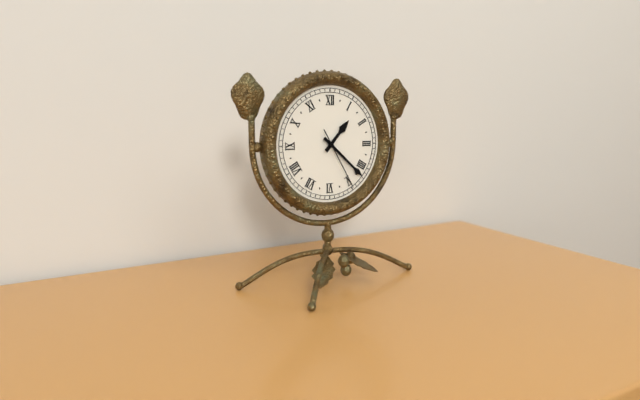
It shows **1:22:25**
